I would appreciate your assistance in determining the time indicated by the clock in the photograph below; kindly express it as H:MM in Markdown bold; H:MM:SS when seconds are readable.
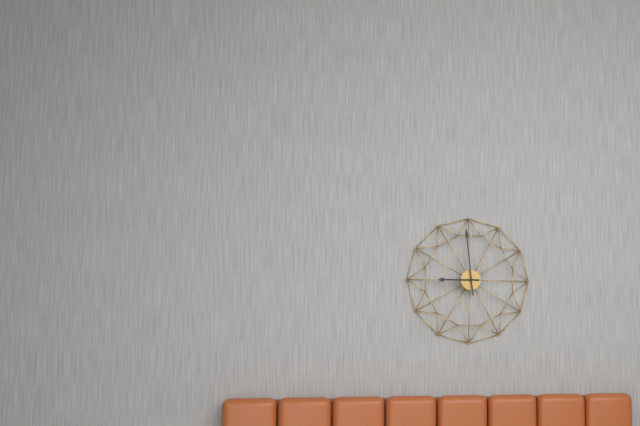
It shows **8:59**
